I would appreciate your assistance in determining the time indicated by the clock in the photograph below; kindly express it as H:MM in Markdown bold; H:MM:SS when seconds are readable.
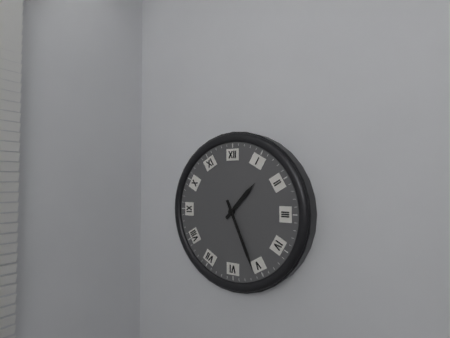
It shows **1:26**
